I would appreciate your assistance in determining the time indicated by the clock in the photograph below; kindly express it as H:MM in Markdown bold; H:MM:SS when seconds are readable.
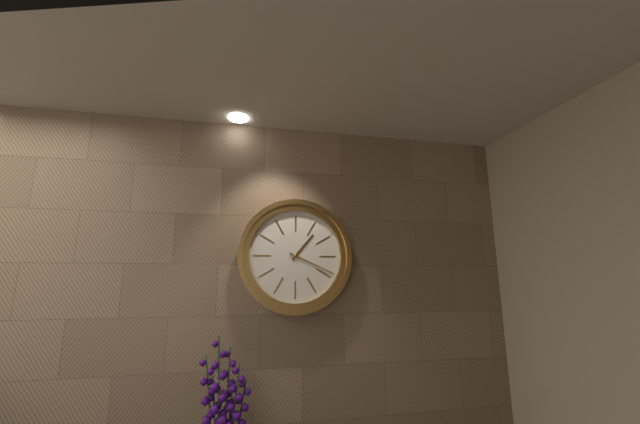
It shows **1:19**
